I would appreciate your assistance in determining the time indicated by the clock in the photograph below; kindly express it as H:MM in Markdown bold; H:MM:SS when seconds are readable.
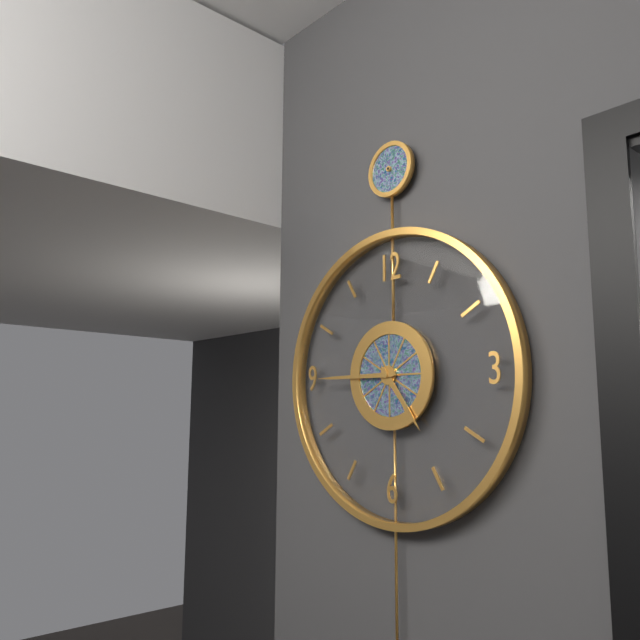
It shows **4:45**
